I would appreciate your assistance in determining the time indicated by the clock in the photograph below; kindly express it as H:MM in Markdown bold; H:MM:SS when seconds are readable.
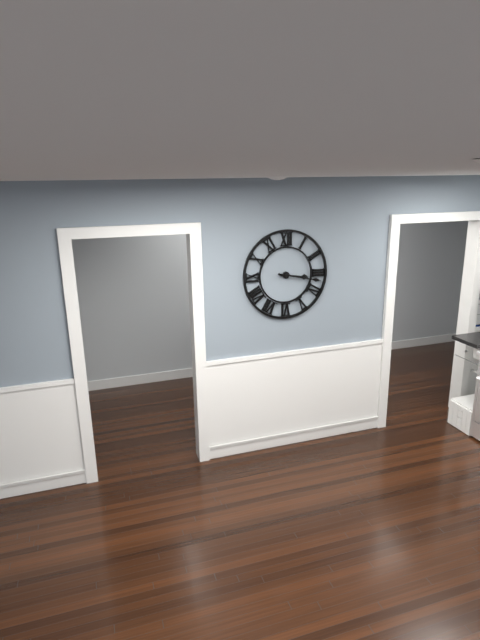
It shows **3:17**
